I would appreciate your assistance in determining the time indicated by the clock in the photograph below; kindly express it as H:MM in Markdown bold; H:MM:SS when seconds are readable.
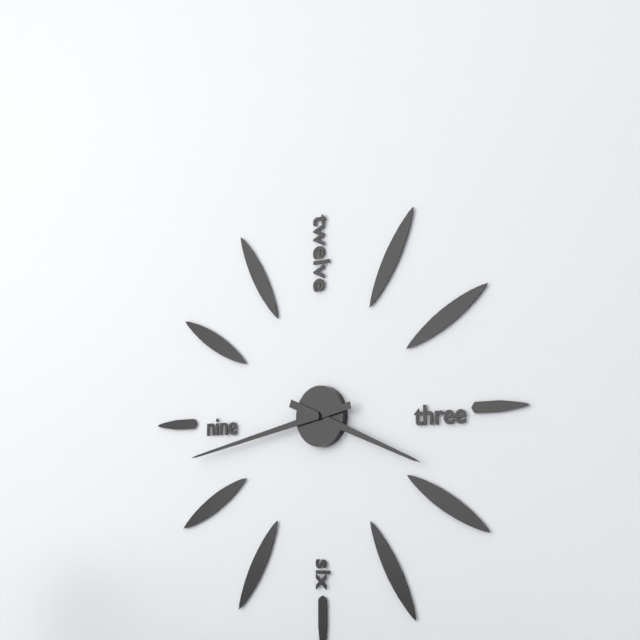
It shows **3:43**
